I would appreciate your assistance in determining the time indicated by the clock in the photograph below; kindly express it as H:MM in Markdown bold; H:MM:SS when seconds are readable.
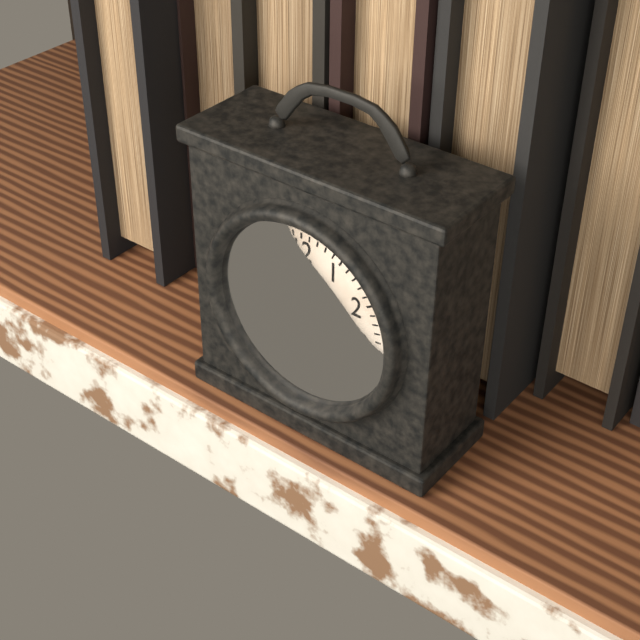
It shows **10:19**
